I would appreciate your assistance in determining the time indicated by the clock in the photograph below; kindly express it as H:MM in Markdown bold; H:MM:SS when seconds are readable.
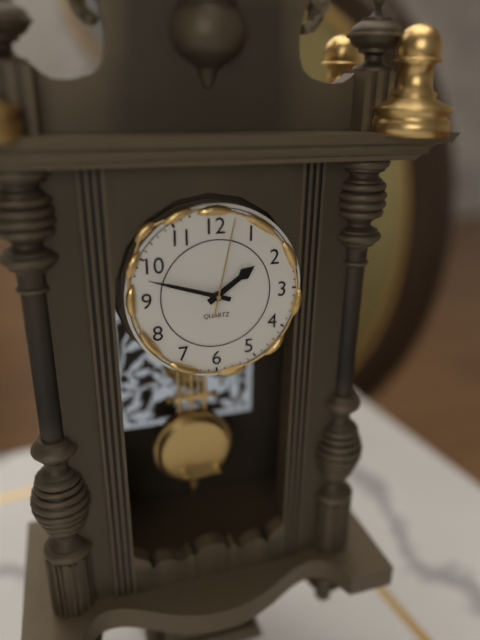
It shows **1:48:02**
